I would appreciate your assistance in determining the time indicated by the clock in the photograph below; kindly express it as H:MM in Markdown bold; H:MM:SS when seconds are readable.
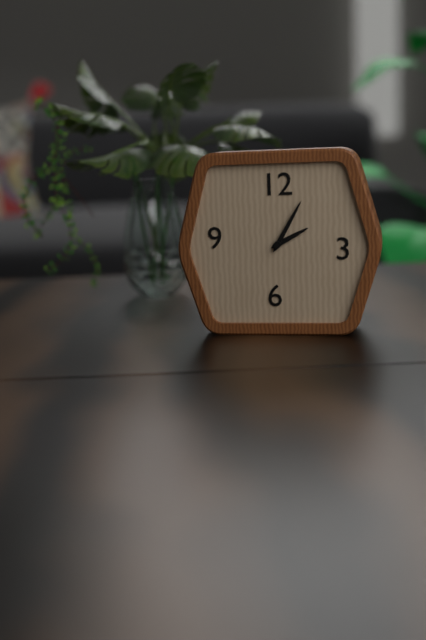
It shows **2:05**
